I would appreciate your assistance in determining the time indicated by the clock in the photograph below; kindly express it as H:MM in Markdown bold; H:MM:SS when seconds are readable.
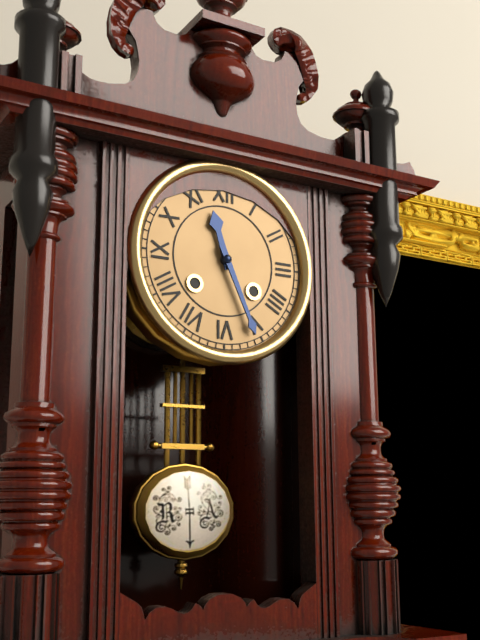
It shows **11:26**
